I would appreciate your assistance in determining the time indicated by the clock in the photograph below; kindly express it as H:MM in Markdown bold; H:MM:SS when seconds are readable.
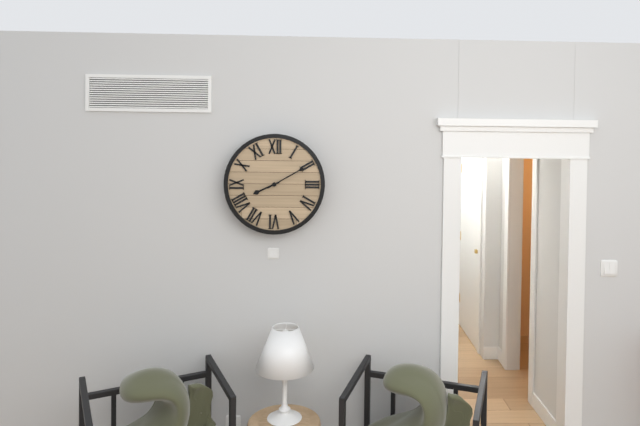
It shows **8:10**
